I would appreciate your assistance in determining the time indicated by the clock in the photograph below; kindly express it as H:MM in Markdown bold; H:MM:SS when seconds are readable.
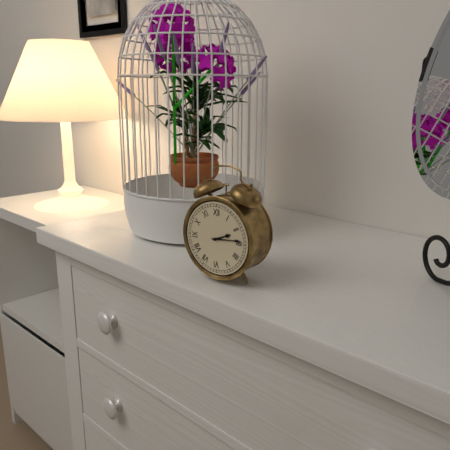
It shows **2:14**
